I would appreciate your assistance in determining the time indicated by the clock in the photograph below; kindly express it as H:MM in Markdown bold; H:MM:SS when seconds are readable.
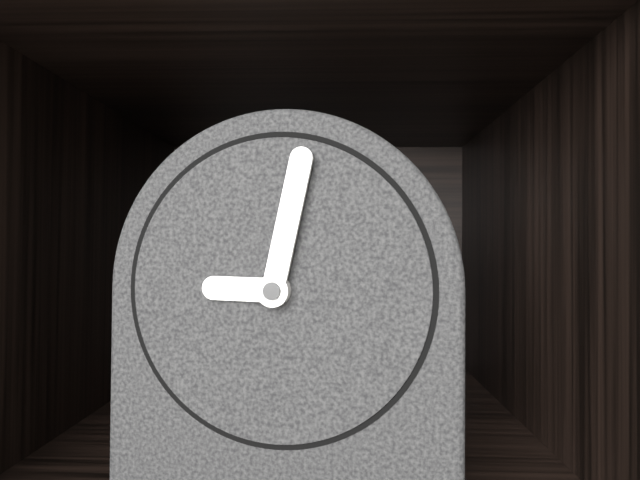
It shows **9:02**
